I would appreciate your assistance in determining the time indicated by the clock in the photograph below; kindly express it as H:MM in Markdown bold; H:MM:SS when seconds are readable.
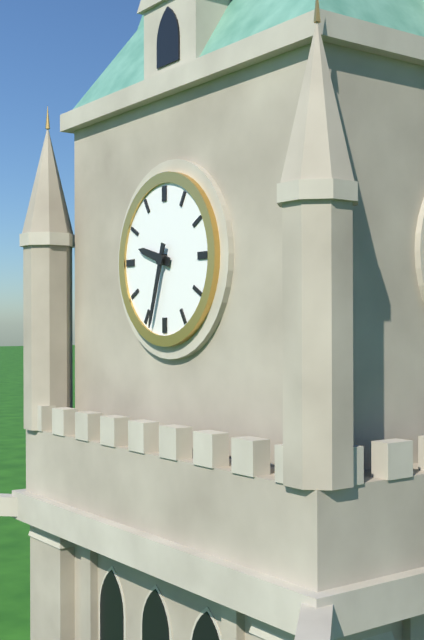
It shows **9:33**
